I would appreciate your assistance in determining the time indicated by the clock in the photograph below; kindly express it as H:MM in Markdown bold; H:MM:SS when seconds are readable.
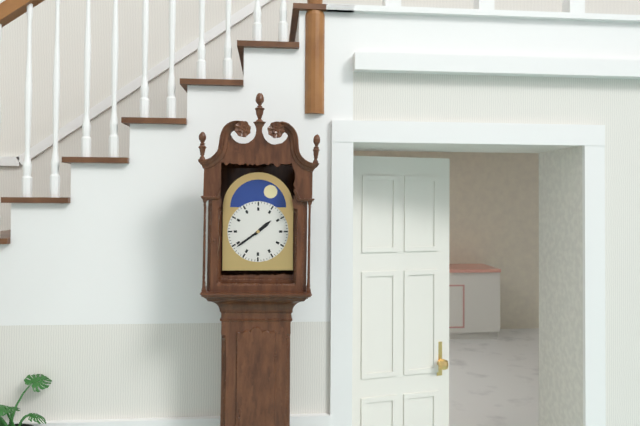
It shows **1:39**
